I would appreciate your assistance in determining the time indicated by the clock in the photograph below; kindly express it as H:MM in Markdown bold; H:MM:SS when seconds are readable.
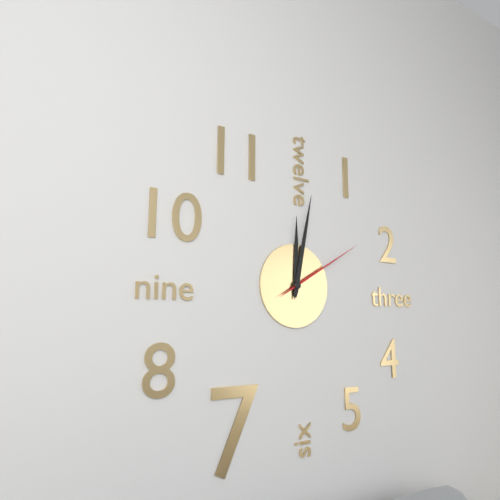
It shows **12:02:10**
